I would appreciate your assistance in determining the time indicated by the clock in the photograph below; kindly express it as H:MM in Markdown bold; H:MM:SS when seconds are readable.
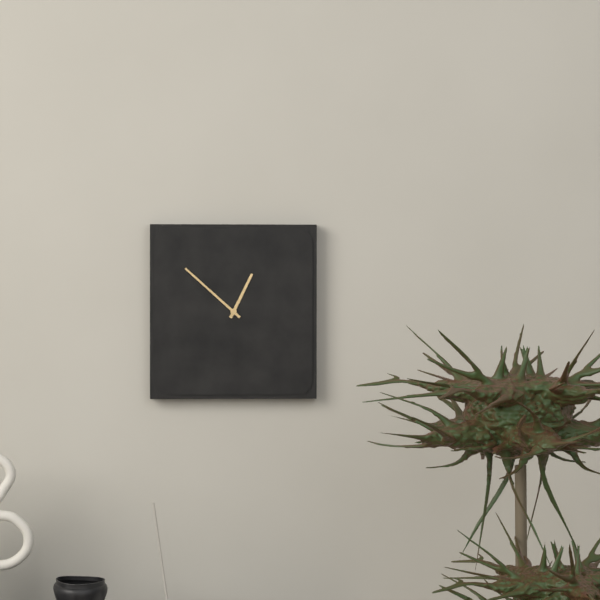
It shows **12:52**
